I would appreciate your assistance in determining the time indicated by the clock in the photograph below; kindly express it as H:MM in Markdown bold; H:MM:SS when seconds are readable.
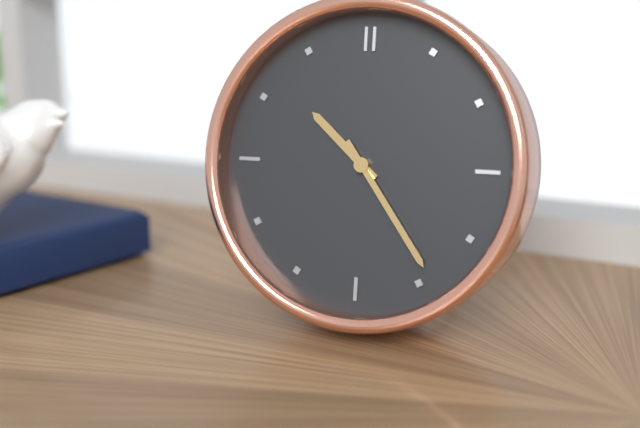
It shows **10:24**
